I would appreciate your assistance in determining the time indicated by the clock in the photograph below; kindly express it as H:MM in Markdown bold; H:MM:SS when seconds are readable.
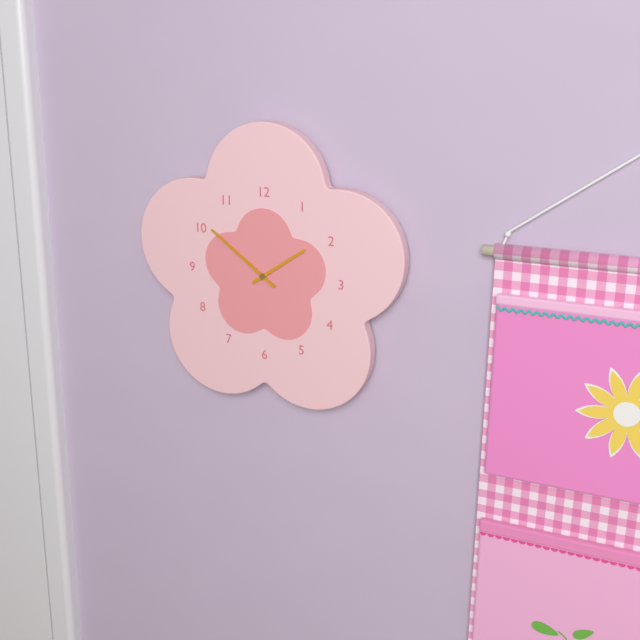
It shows **1:51**
